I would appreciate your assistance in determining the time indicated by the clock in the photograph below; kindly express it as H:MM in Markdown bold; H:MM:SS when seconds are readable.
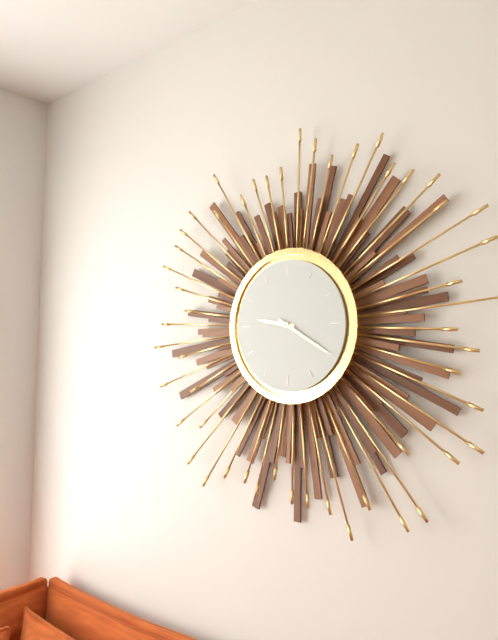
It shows **9:20**
